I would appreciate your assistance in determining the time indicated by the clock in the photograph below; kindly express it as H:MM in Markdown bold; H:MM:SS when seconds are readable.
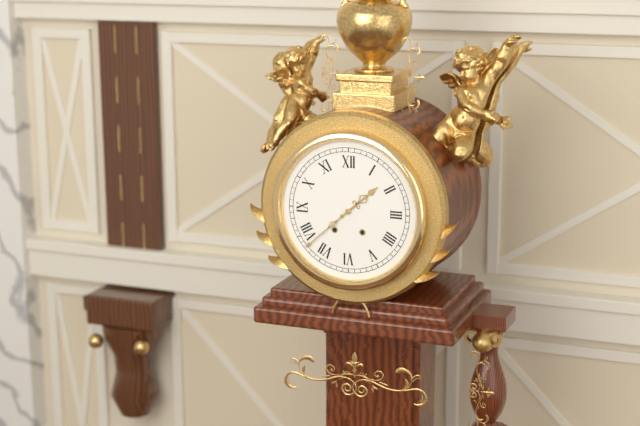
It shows **1:38**
